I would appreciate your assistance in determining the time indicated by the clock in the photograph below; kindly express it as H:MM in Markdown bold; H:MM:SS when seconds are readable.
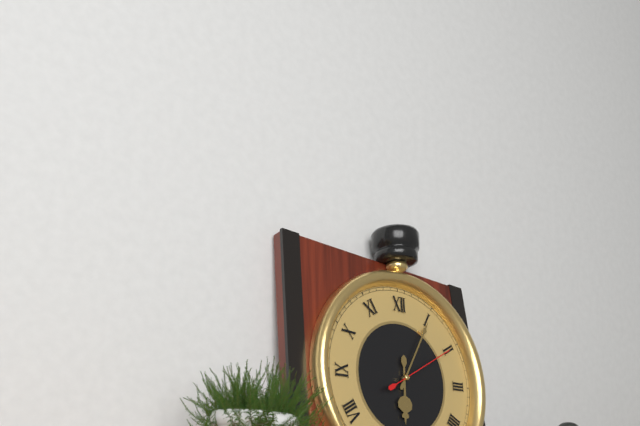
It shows **6:05:10**
